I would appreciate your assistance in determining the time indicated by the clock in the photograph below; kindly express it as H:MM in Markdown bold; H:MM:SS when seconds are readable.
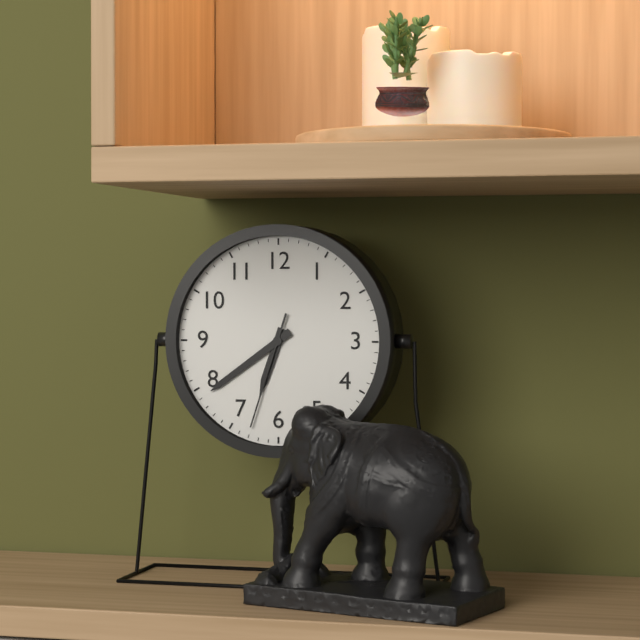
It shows **6:39:33**
